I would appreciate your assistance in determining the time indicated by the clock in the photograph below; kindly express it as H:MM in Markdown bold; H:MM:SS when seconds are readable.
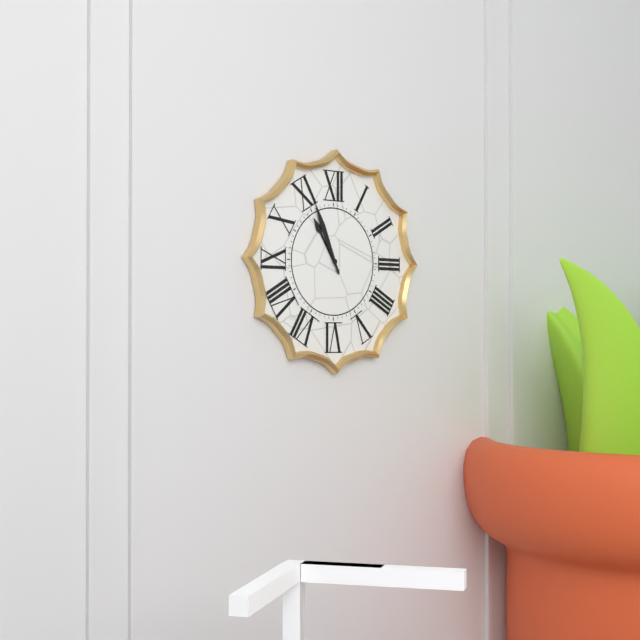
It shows **10:56**
